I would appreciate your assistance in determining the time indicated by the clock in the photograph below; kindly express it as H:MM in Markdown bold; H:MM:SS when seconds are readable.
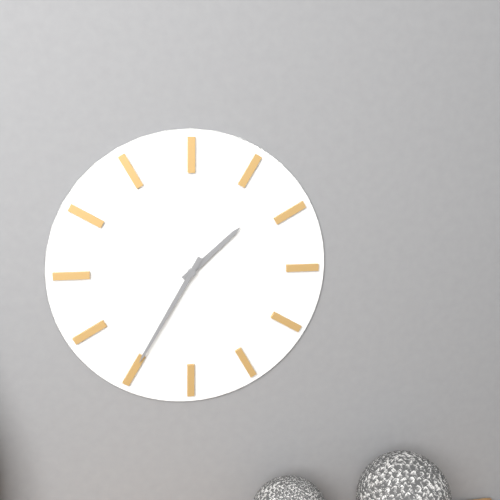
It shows **1:35**
